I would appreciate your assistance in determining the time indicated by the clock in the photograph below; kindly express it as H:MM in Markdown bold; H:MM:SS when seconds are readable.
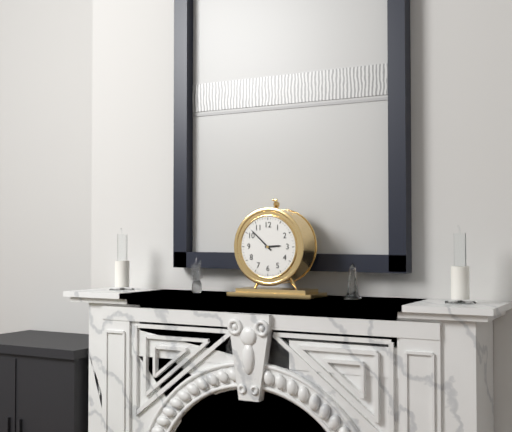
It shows **2:52**
